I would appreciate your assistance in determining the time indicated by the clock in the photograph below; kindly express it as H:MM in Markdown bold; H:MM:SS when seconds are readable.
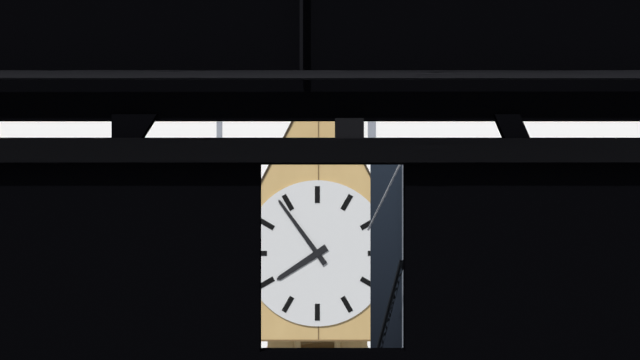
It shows **7:54**
